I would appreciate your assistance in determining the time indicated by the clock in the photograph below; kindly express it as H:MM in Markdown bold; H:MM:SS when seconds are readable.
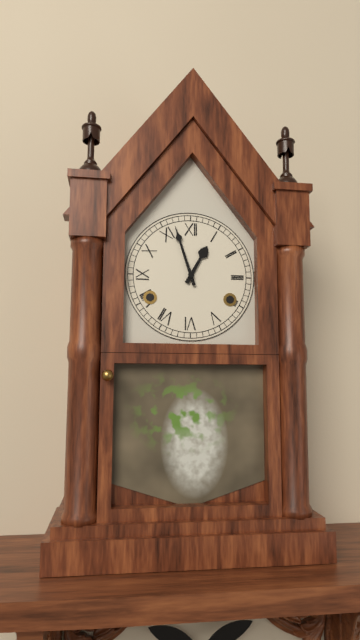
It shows **12:57**
